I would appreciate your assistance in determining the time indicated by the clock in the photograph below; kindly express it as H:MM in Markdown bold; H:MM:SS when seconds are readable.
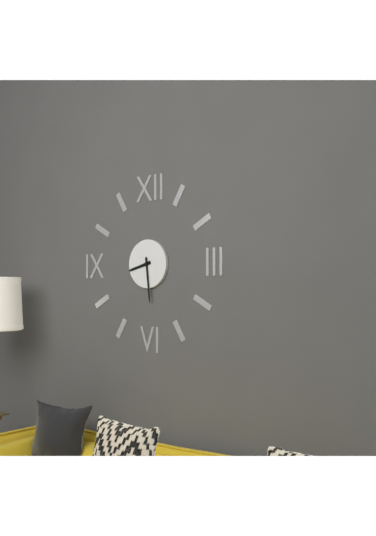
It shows **8:29**
